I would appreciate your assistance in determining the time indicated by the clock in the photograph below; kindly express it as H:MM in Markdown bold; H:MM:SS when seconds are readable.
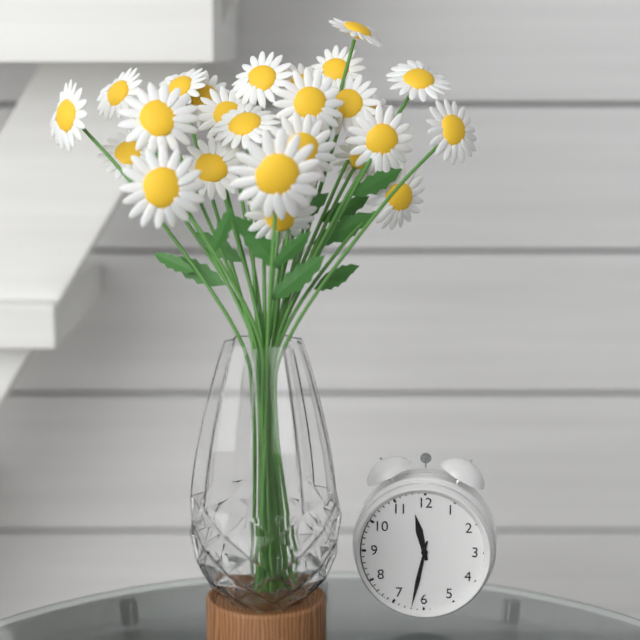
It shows **11:32**
